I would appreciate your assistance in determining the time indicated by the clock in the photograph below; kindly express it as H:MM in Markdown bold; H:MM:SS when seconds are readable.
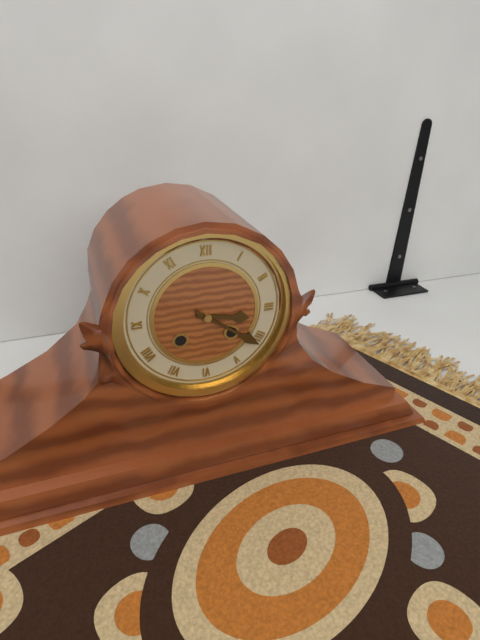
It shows **3:21**
